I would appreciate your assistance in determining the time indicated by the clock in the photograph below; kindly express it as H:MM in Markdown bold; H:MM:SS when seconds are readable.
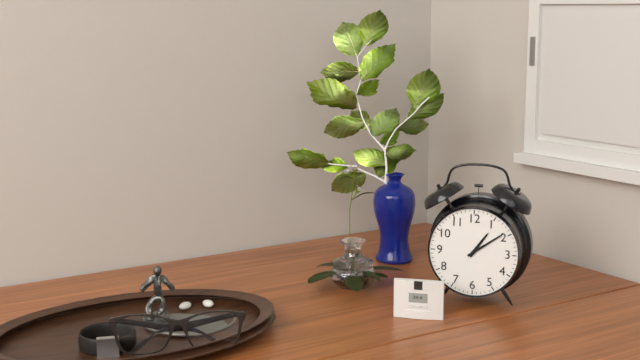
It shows **1:09**
